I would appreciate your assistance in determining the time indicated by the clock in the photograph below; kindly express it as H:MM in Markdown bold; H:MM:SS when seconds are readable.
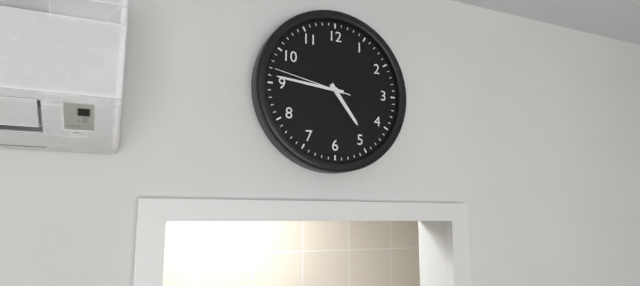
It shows **4:46:47**
